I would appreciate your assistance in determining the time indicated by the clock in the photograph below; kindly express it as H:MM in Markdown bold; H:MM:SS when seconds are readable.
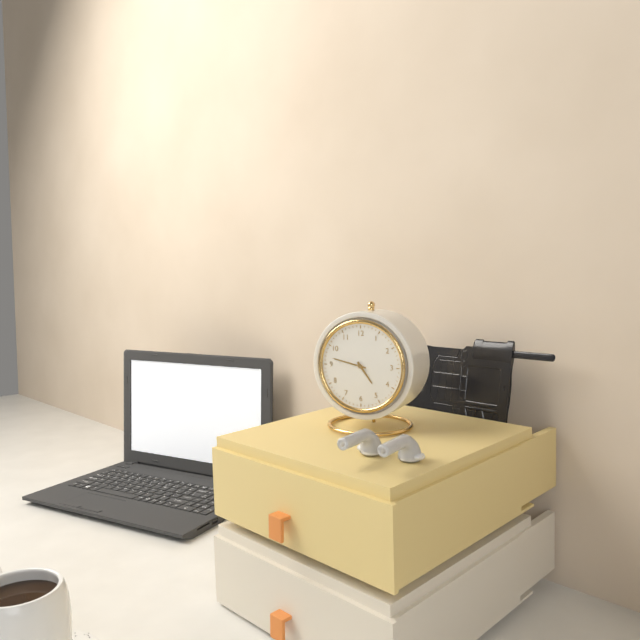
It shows **4:47**
